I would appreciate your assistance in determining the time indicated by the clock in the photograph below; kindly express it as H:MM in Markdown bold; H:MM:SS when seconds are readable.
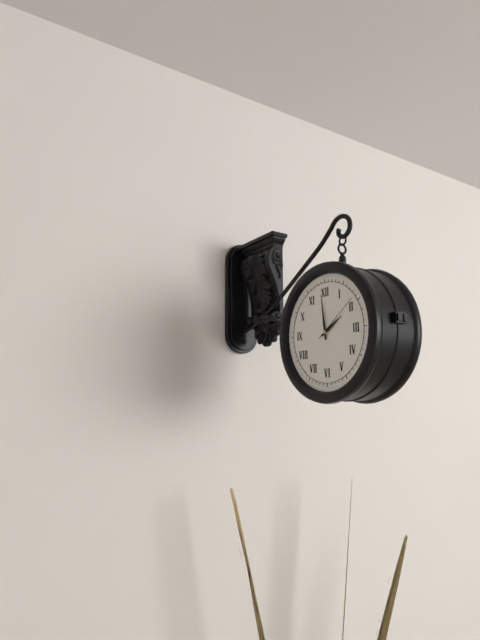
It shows **1:59:09**
